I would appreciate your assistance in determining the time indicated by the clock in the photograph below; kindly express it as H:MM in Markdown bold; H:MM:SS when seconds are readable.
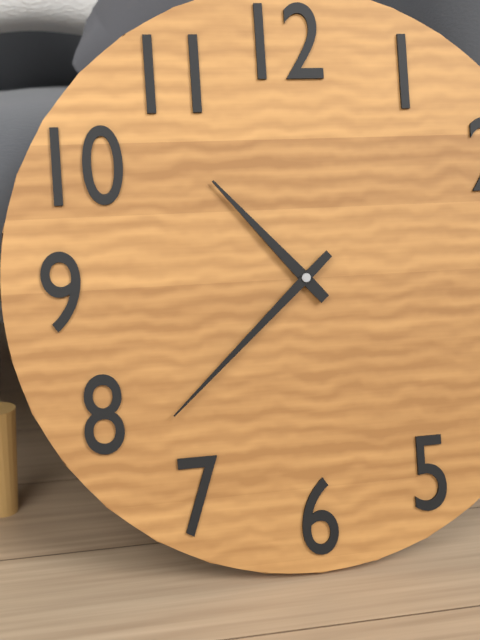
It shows **10:38**
